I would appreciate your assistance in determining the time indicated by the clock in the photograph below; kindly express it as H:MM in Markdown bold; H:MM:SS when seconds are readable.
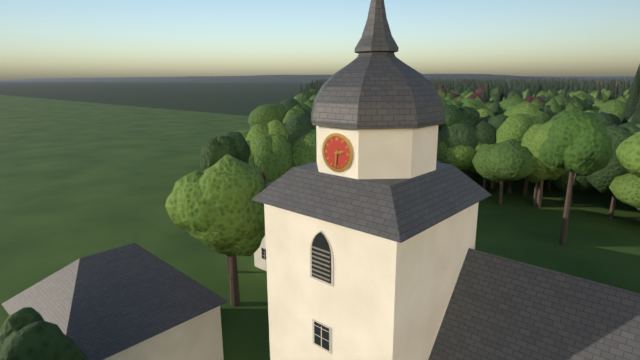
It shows **2:31**
